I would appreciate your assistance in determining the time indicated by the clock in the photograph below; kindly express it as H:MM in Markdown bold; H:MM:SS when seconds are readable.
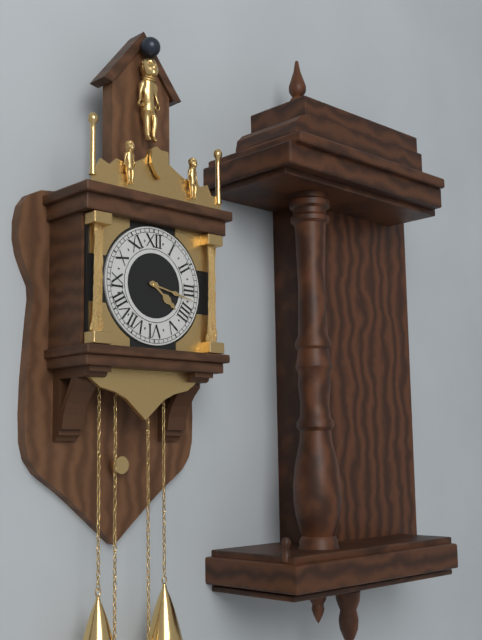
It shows **4:17**
